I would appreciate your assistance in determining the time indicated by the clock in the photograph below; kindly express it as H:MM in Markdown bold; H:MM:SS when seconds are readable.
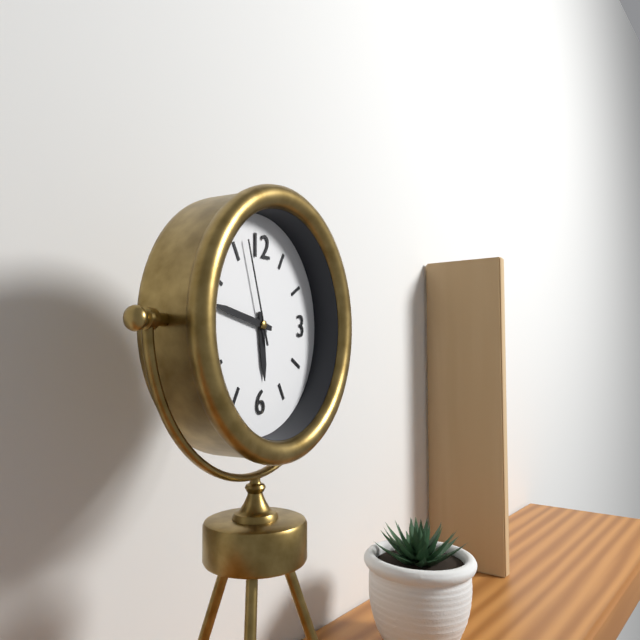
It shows **5:47:57**
